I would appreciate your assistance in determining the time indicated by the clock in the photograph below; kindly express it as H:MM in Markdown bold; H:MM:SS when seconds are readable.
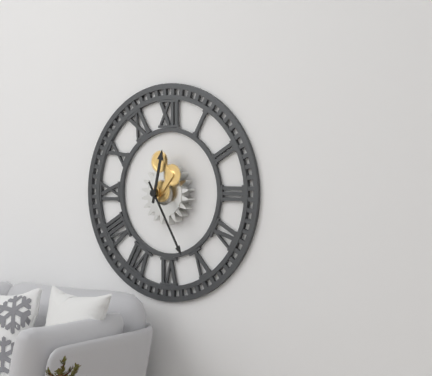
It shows **12:25**
